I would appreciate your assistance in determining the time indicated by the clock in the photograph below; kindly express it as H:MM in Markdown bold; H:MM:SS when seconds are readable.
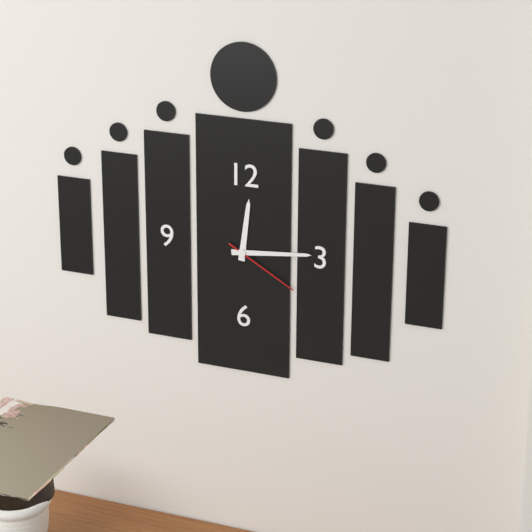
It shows **12:14:20**
